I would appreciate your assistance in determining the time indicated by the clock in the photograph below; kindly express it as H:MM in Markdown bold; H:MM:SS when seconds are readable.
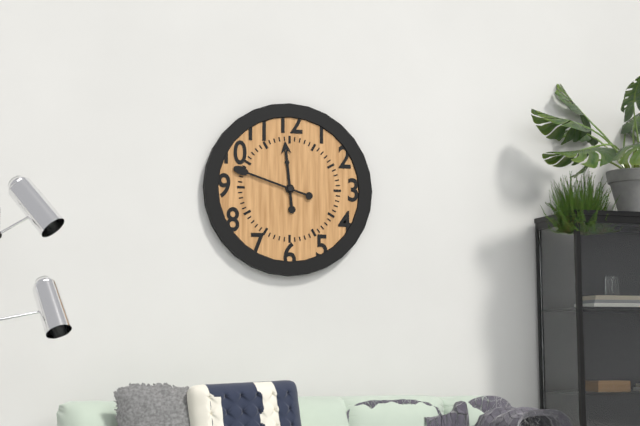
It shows **11:48**
